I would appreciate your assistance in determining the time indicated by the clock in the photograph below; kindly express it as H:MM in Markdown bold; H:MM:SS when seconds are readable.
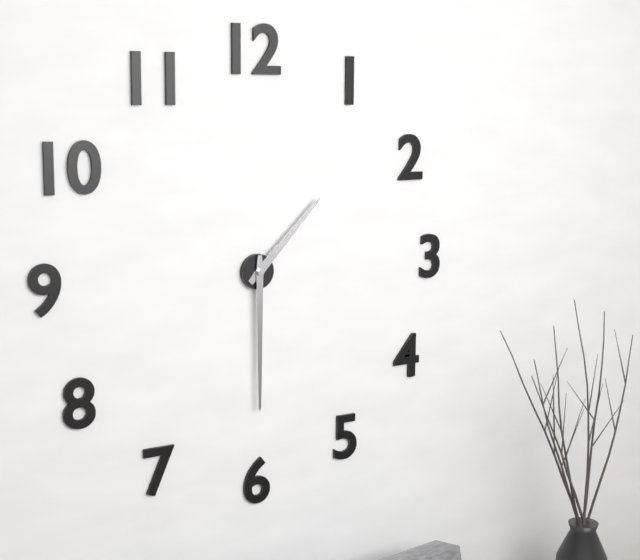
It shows **1:30**
